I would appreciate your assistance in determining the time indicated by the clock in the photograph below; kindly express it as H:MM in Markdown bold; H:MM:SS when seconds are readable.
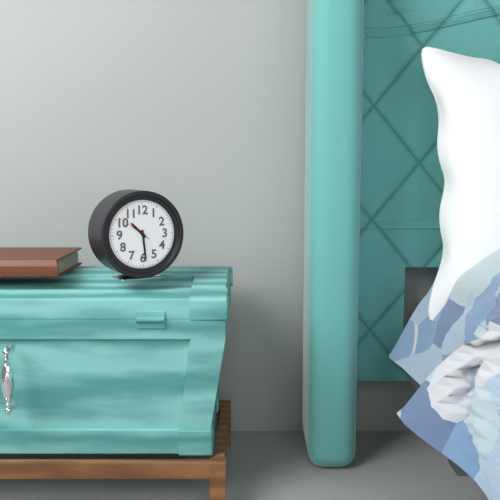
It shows **10:29**
